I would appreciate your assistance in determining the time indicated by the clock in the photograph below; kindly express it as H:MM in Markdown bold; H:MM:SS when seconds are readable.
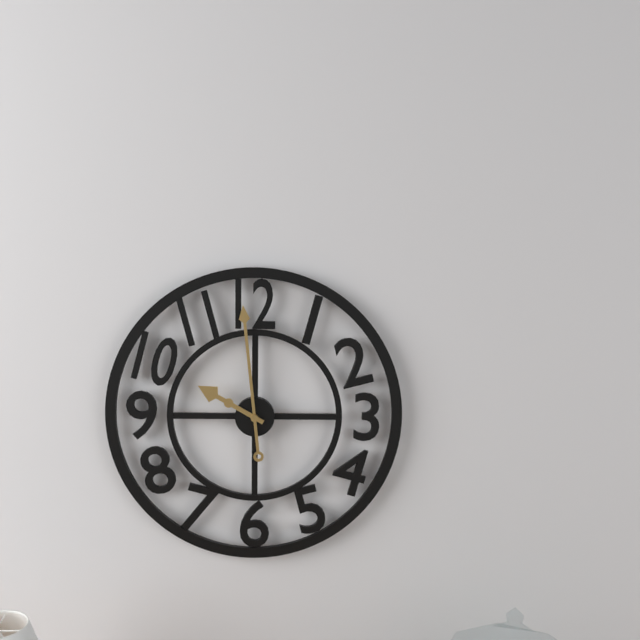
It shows **9:59**
